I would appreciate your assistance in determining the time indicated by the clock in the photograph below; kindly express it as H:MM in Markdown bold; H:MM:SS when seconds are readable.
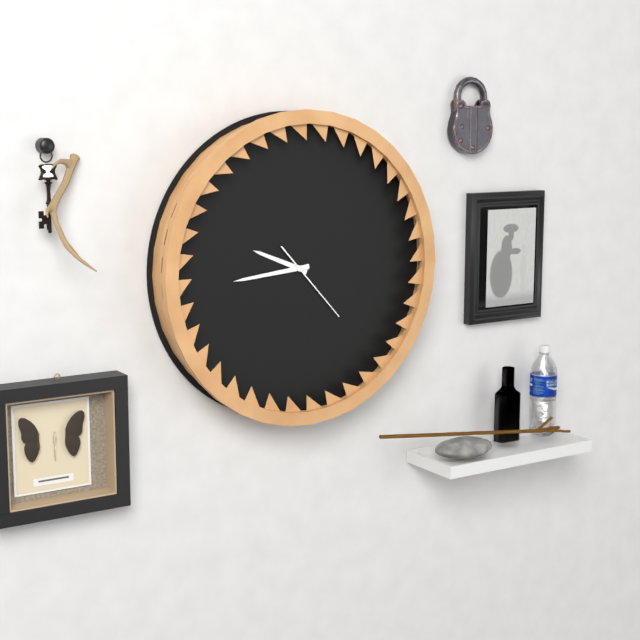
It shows **9:44:23**
